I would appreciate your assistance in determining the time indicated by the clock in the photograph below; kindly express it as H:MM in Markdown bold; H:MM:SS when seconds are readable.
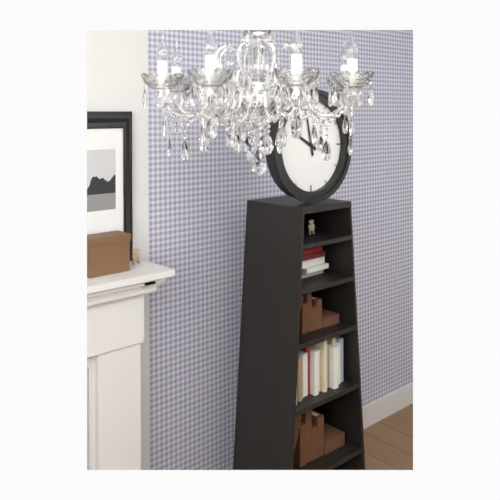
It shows **9:58**
